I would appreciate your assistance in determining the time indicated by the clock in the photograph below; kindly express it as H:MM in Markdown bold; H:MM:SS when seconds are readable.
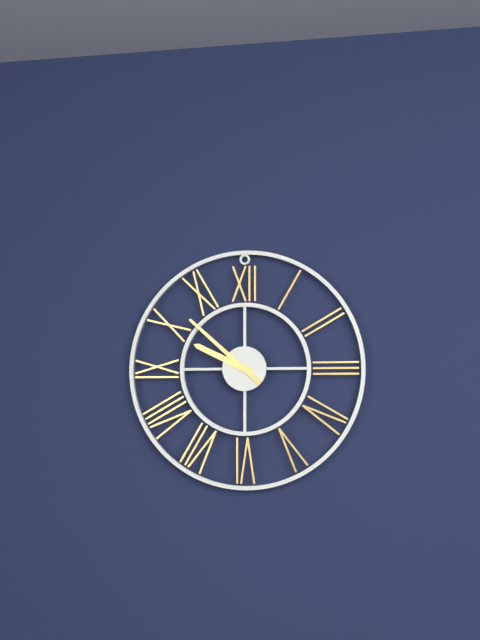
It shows **9:52**
